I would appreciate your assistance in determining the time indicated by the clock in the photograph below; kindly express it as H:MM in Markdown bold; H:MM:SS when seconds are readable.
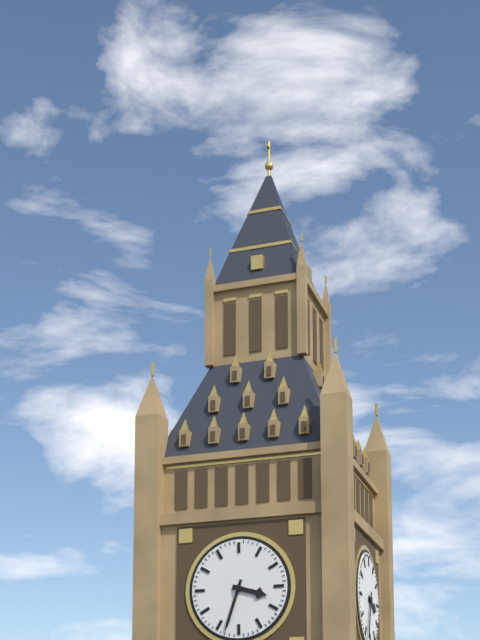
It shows **3:33**
